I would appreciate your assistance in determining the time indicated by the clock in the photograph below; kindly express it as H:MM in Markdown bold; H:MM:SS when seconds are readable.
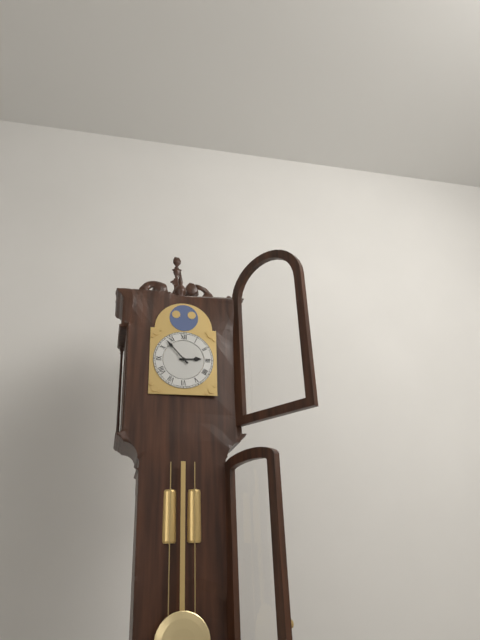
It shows **2:53**
